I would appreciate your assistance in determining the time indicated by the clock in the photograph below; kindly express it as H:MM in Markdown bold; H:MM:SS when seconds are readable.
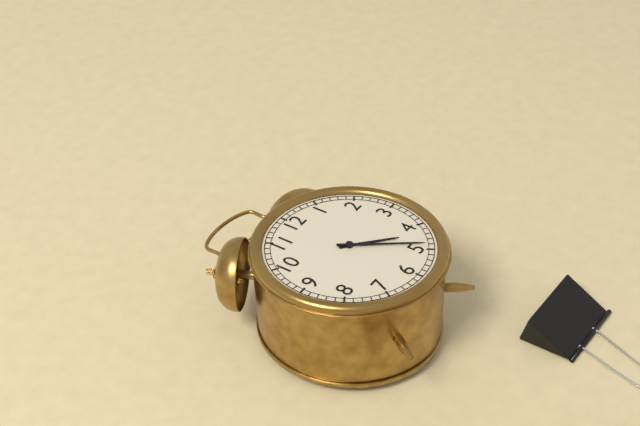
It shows **4:24**
